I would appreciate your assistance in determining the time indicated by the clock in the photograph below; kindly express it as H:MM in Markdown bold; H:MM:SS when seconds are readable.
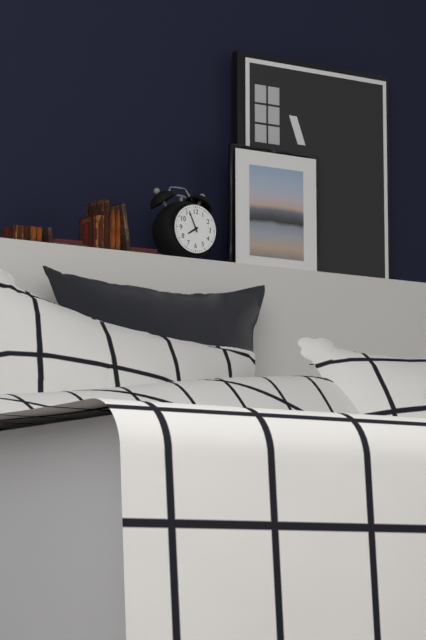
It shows **7:56**
